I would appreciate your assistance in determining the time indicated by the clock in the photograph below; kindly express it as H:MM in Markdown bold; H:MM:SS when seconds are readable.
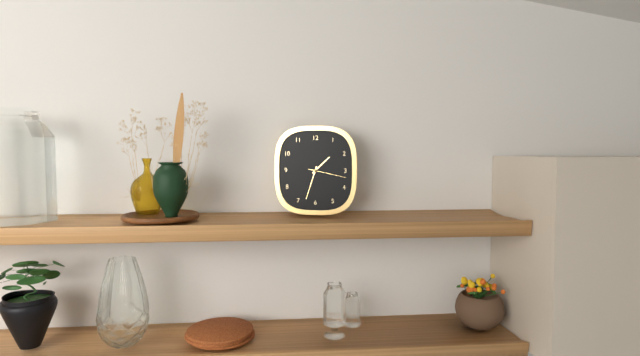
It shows **1:33**
